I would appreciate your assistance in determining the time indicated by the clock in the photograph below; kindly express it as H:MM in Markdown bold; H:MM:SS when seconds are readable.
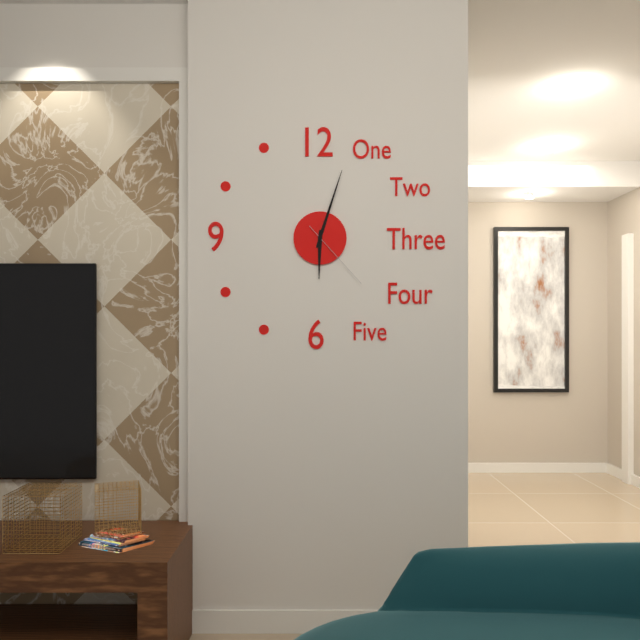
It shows **6:03:23**
